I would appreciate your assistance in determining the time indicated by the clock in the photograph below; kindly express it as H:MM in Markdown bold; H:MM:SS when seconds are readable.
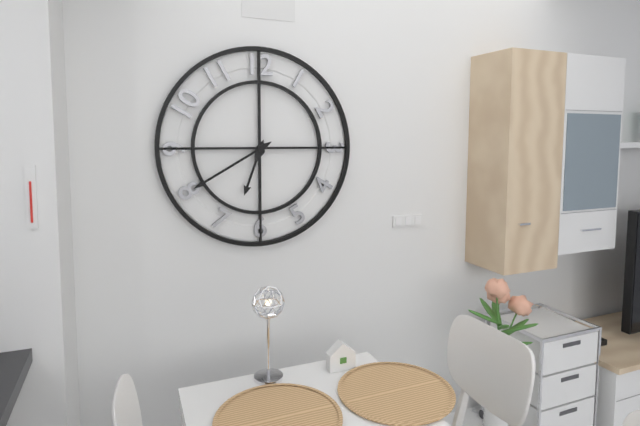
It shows **6:40**
